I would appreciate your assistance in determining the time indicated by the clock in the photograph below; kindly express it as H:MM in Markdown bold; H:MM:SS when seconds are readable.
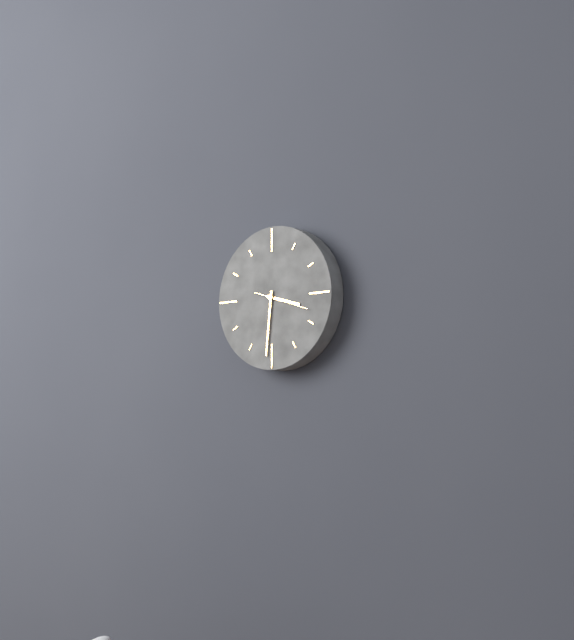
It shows **3:31**
